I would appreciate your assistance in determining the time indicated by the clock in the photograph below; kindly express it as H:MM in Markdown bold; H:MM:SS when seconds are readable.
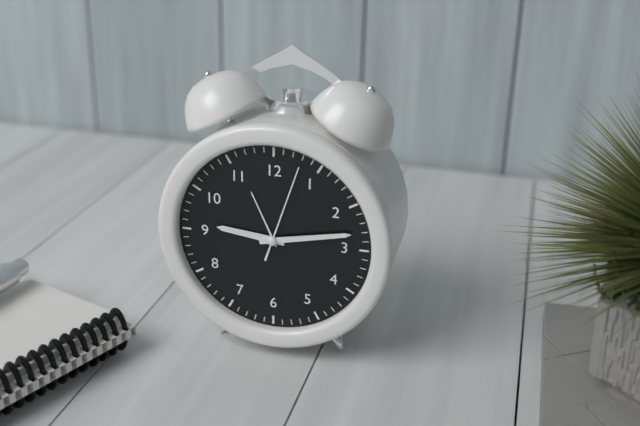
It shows **9:13:03**
